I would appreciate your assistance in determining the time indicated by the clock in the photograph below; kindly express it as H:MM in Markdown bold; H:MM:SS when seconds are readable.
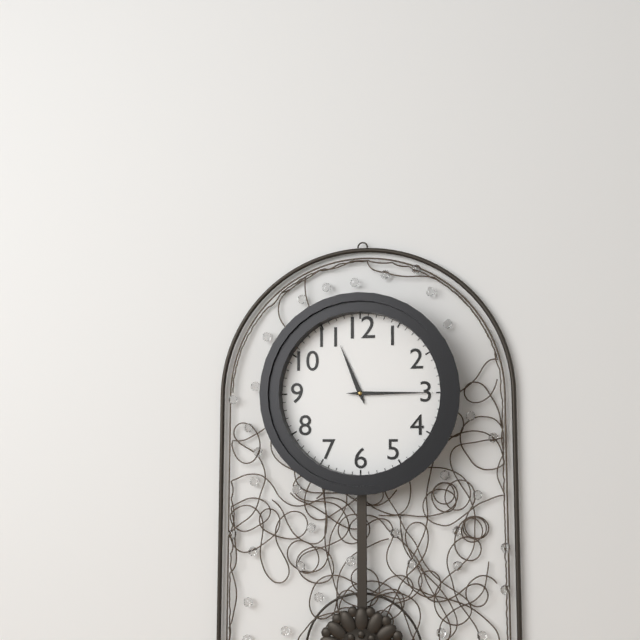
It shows **11:15**
